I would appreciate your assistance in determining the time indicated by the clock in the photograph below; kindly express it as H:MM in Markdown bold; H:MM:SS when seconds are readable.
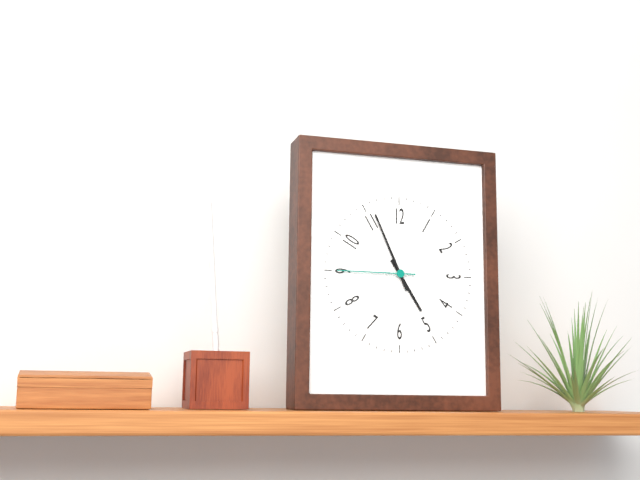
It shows **4:56:45**
